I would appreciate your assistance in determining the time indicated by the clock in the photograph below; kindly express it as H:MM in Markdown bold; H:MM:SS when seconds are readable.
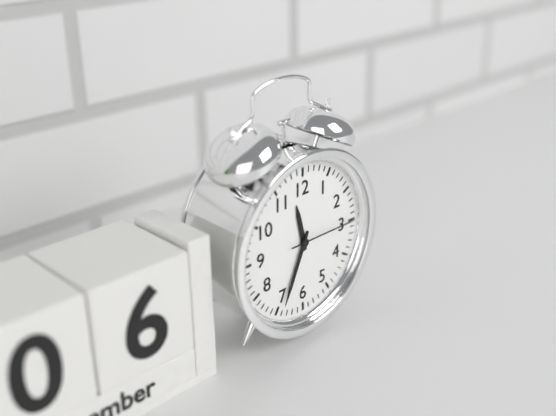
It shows **11:34:15**
